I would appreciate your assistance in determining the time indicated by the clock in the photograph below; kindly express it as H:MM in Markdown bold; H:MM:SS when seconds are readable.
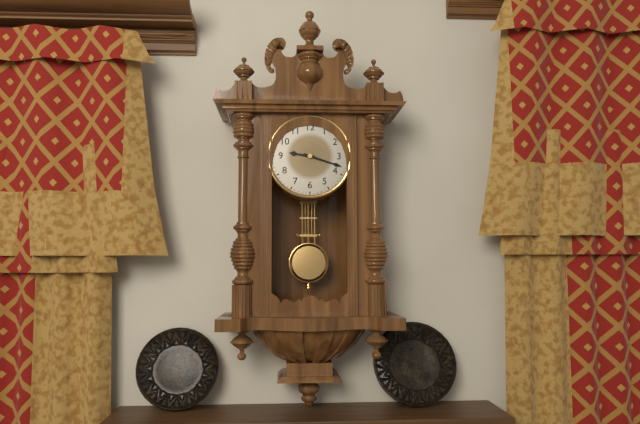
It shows **9:18**
